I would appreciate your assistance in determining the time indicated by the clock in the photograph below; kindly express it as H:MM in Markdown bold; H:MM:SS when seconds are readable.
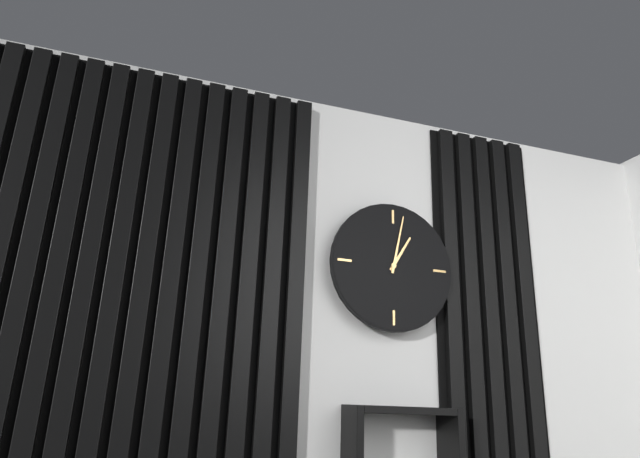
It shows **1:02**
